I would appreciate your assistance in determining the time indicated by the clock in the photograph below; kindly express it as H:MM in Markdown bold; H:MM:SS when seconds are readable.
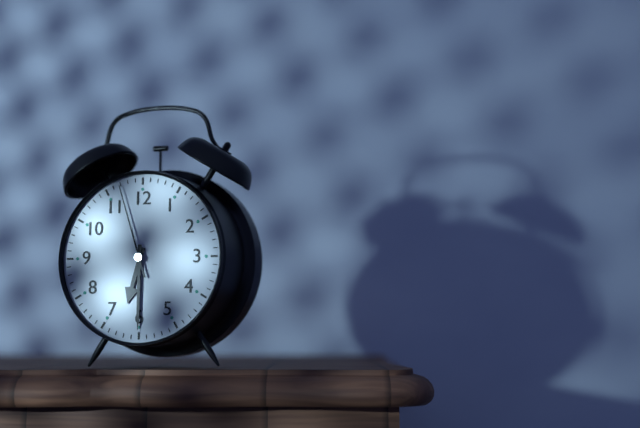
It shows **6:30:57**
